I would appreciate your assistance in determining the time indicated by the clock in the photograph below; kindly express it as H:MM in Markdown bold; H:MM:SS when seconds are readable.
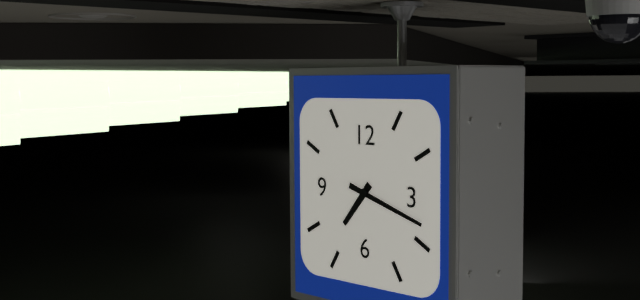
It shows **7:18**
